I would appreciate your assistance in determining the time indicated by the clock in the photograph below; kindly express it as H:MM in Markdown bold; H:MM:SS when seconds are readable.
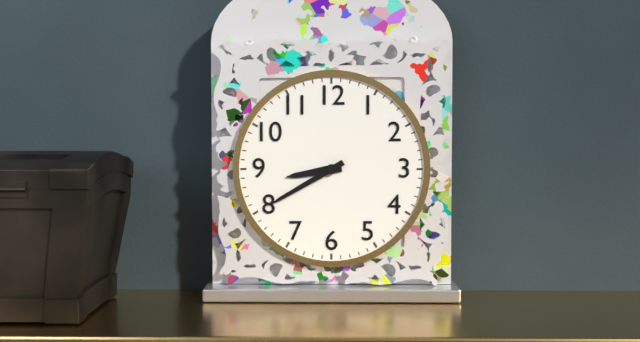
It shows **8:40**
